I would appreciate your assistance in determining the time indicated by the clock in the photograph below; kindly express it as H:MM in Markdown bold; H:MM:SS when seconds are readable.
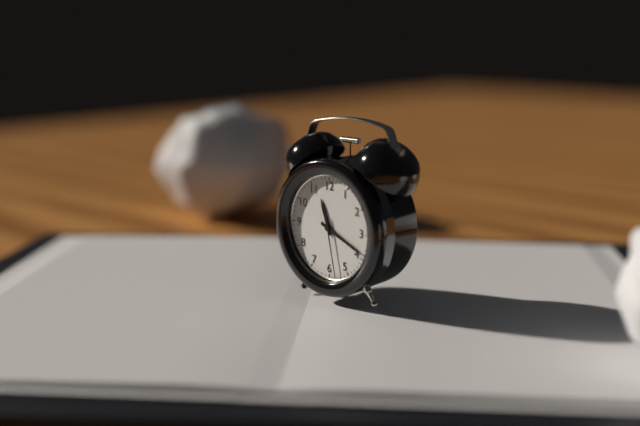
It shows **11:19:28**
